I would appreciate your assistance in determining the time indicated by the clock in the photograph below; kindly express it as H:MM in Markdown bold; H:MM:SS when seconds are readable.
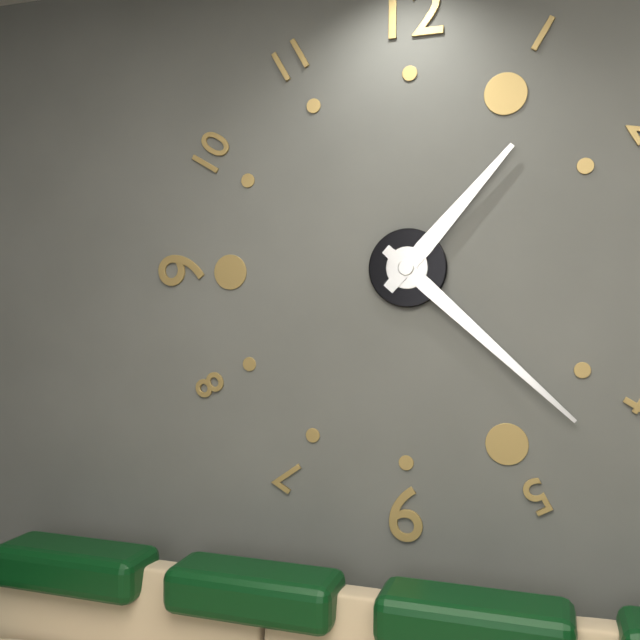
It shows **1:22**
